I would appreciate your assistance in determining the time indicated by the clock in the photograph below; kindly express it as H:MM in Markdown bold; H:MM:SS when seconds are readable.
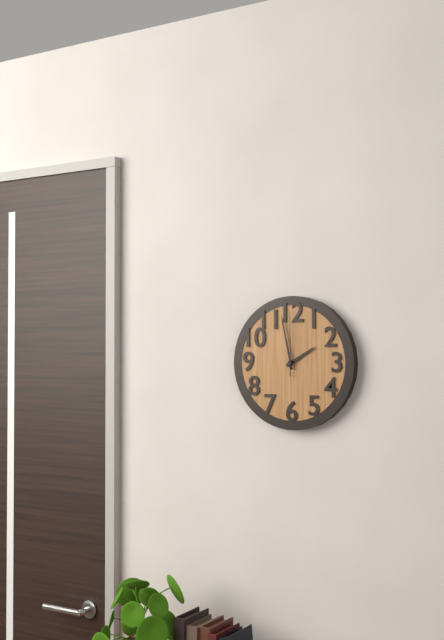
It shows **1:58:00**
